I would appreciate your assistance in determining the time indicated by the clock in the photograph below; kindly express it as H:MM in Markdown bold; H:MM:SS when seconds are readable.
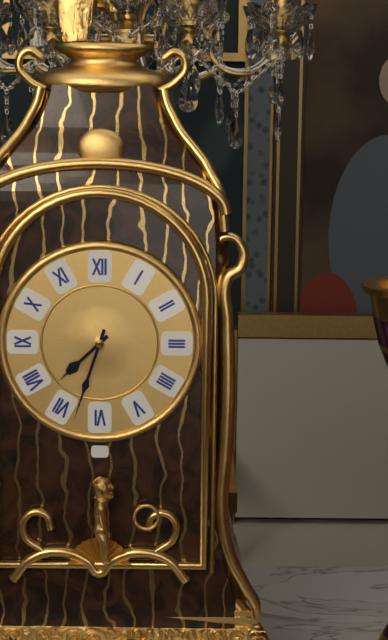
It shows **7:33**
